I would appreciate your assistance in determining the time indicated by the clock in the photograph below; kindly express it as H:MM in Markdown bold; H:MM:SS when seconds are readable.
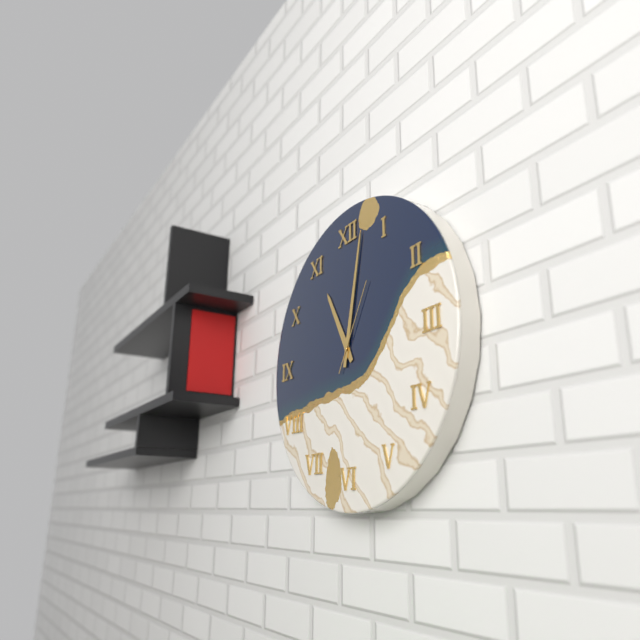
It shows **11:02:05**
